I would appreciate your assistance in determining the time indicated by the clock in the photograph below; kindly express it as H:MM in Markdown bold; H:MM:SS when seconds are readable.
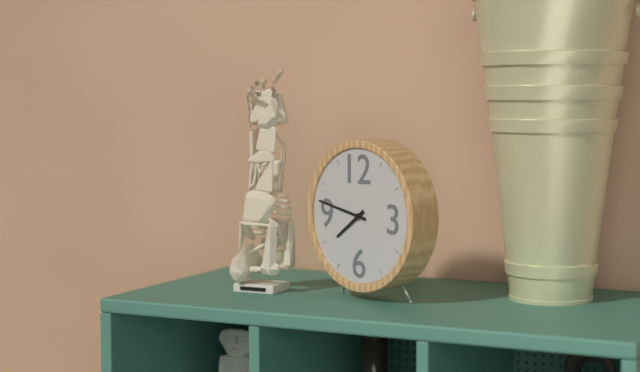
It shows **7:47**
